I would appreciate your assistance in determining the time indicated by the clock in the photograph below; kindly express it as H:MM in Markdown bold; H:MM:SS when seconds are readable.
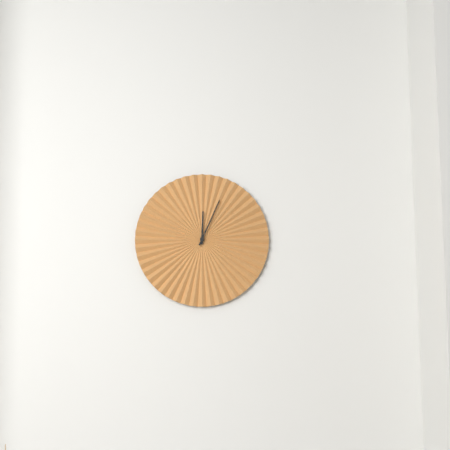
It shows **12:04**
